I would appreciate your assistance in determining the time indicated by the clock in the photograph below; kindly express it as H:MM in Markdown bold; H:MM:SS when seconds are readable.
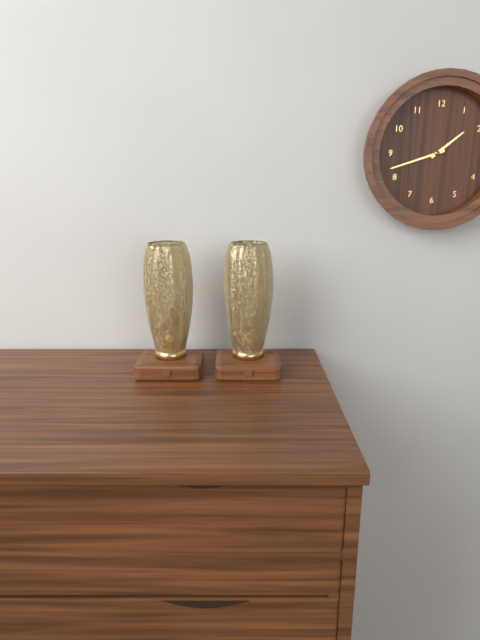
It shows **1:42**
